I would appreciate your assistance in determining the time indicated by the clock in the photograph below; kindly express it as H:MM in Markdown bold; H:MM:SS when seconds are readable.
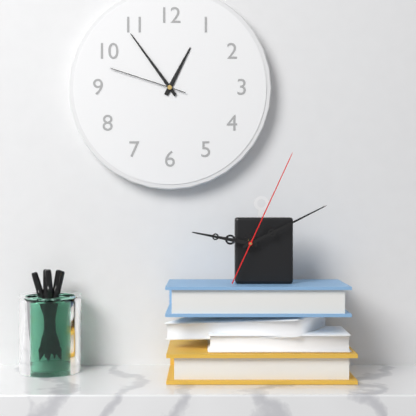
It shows **12:54:48**
